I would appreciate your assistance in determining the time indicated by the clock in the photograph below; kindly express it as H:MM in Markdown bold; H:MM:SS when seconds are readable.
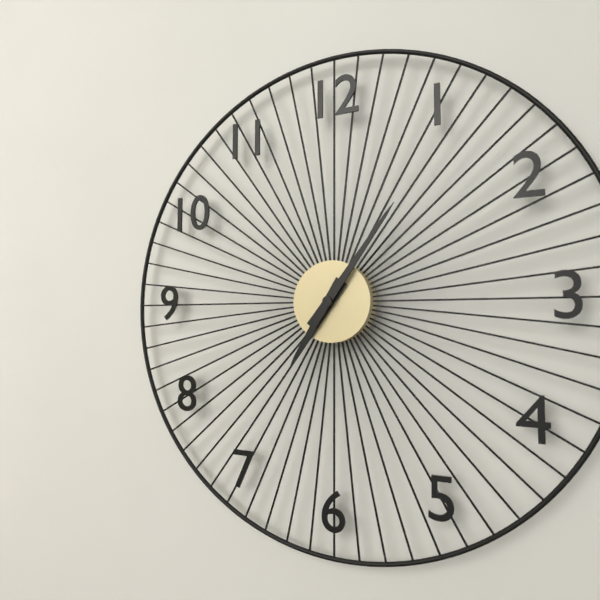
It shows **7:06**
